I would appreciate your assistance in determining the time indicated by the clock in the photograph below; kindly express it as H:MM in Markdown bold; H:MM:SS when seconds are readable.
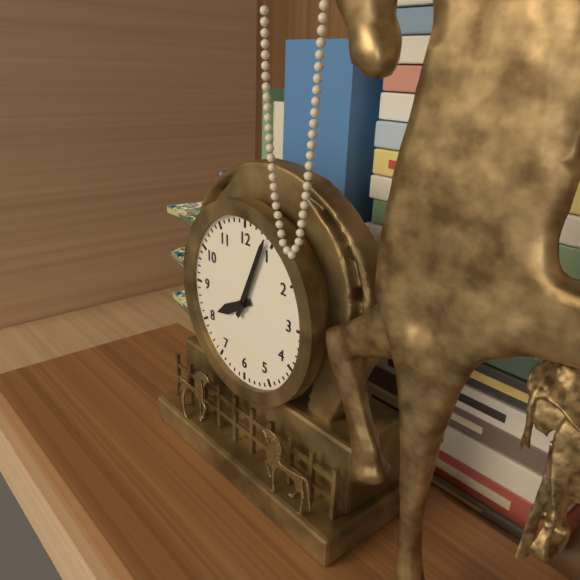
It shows **8:04**
